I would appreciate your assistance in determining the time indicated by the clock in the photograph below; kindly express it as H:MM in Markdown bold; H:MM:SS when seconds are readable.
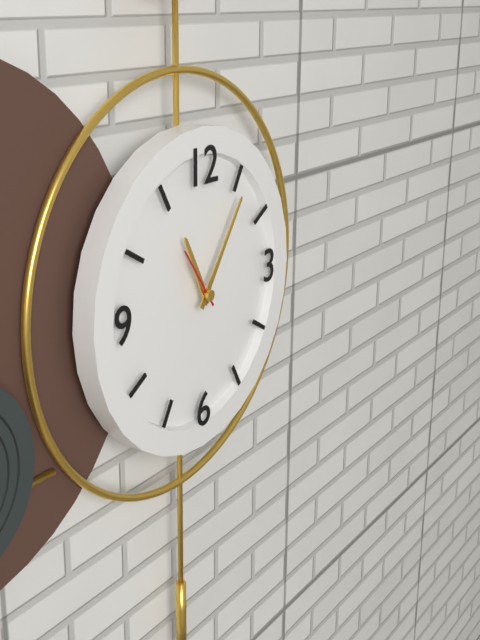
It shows **11:06:54**
